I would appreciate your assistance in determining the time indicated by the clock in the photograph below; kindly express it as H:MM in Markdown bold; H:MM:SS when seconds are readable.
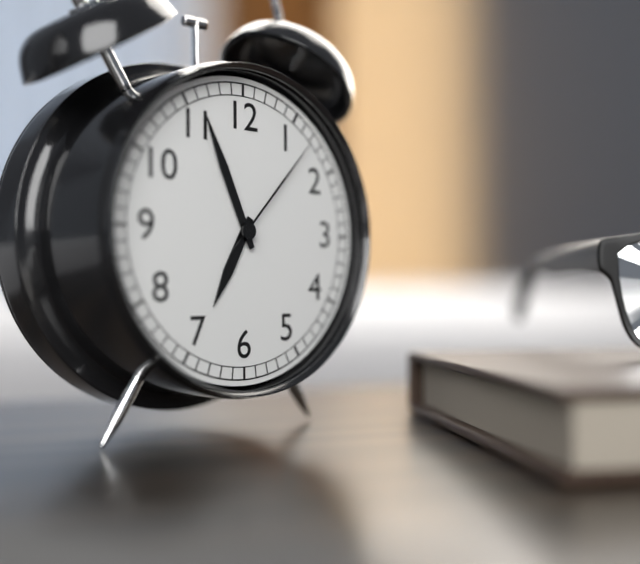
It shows **6:56:07**
